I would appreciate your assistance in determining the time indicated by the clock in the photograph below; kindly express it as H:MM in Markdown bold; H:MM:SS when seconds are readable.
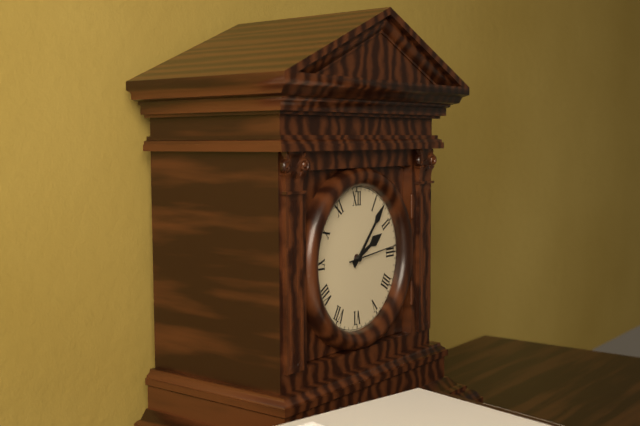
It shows **2:07**
